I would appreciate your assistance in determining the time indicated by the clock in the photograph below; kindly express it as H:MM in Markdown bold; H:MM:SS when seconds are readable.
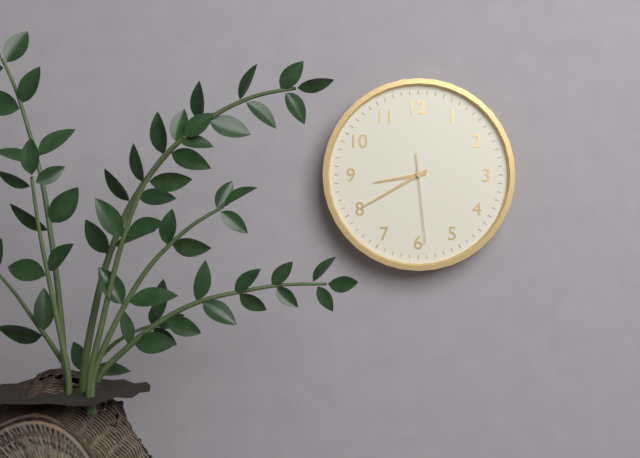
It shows **8:40:29**
